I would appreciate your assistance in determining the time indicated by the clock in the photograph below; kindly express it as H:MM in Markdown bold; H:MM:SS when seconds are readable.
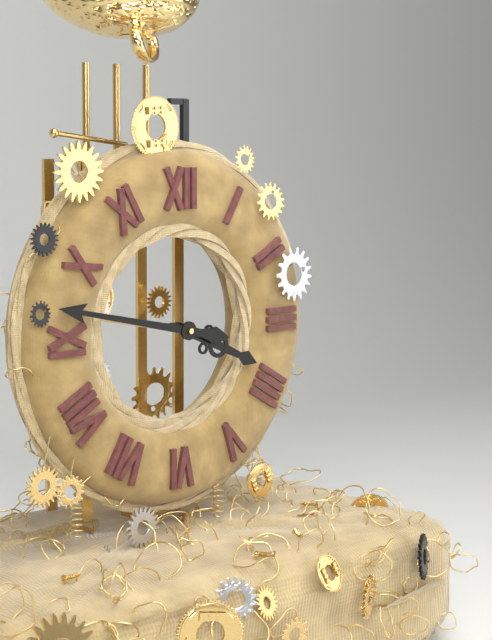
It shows **3:47**
